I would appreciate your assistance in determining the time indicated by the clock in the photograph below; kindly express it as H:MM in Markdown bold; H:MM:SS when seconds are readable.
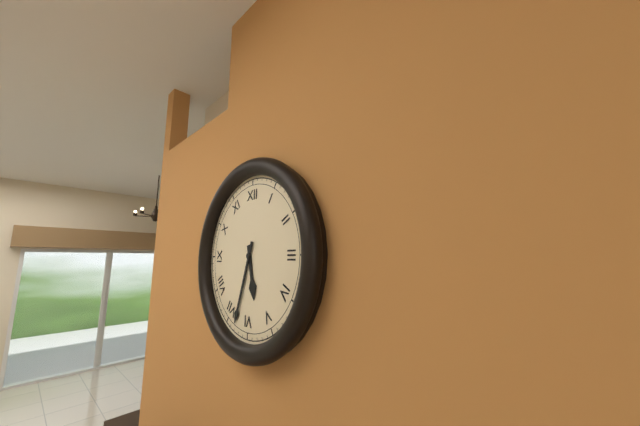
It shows **5:33**
